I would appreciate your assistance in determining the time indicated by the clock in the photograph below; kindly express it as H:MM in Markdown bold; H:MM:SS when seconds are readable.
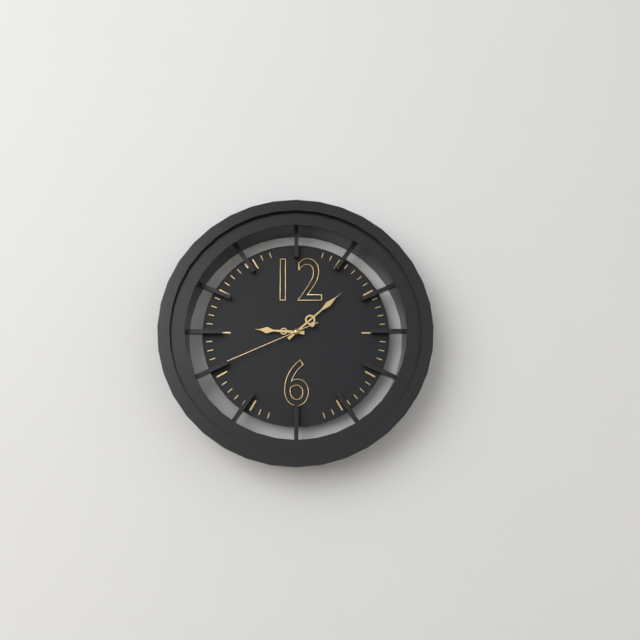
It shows **9:08:41**
